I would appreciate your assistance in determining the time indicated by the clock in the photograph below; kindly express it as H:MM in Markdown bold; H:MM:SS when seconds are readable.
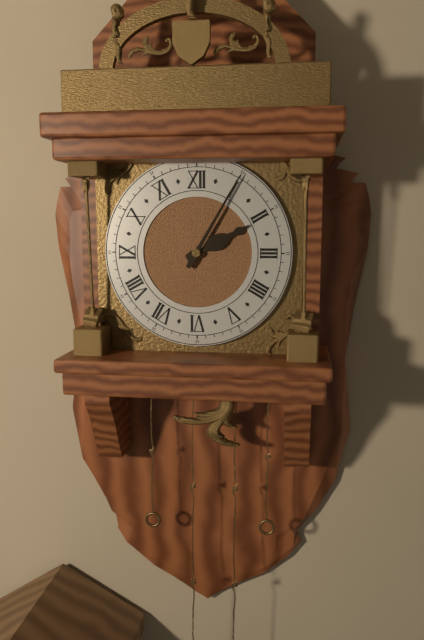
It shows **2:05**
